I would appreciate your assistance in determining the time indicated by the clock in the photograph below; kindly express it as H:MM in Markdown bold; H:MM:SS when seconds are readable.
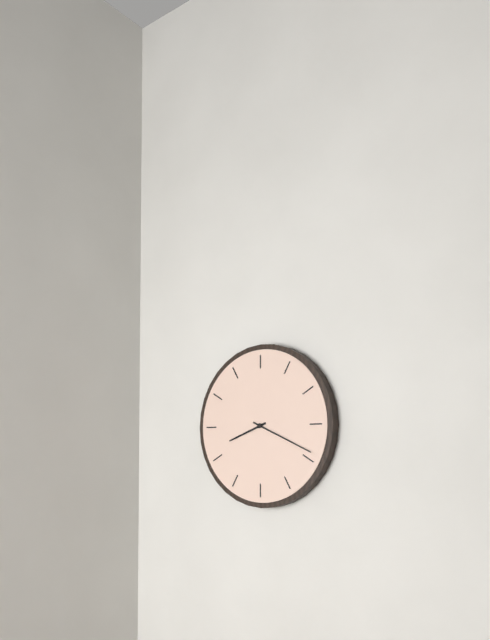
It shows **8:19**
